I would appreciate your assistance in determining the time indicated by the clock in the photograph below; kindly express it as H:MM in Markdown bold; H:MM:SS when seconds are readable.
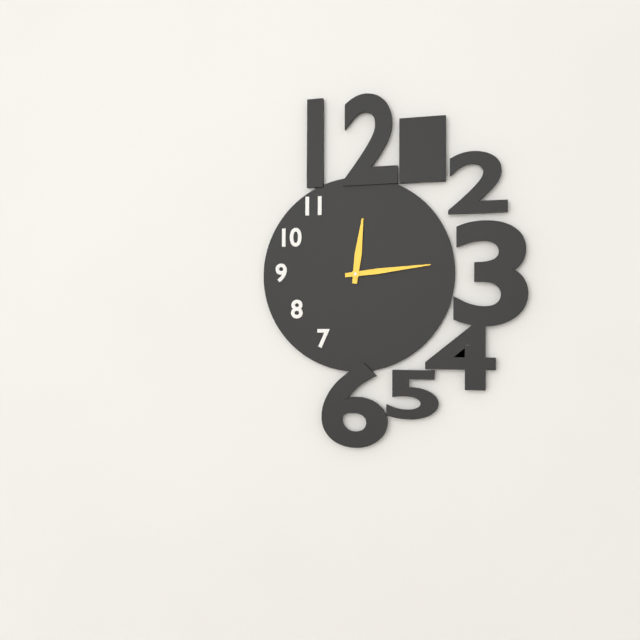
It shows **12:14**
